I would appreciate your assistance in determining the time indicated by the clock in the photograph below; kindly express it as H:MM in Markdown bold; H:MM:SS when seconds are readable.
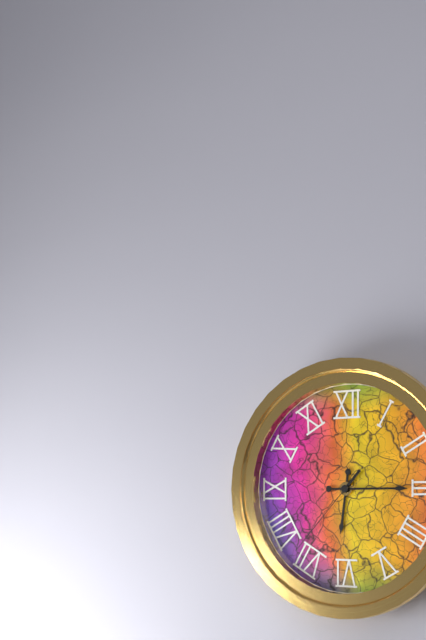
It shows **6:15:37**
